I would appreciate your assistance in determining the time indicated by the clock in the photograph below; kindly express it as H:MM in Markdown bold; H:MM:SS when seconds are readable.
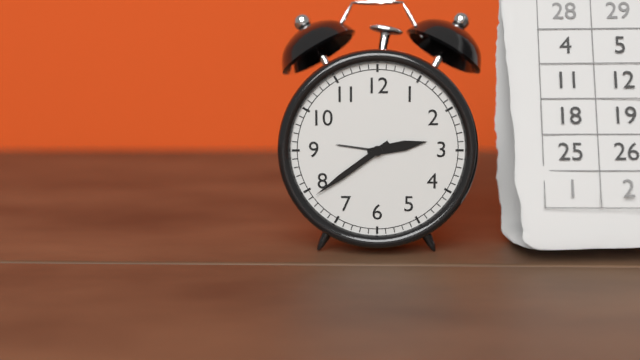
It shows **2:39**
